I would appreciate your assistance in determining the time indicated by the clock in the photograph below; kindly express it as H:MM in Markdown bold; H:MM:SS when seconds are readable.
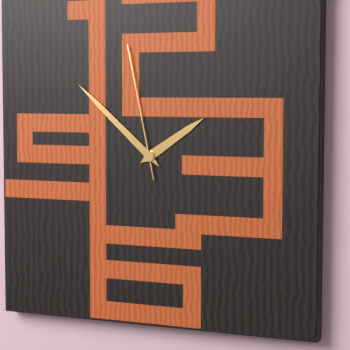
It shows **1:52:58**
